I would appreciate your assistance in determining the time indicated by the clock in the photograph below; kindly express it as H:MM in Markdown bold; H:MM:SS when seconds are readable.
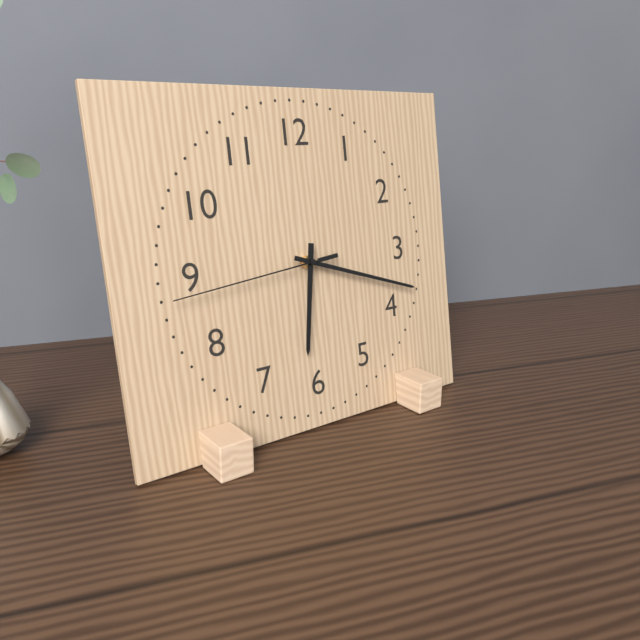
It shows **6:18:44**
